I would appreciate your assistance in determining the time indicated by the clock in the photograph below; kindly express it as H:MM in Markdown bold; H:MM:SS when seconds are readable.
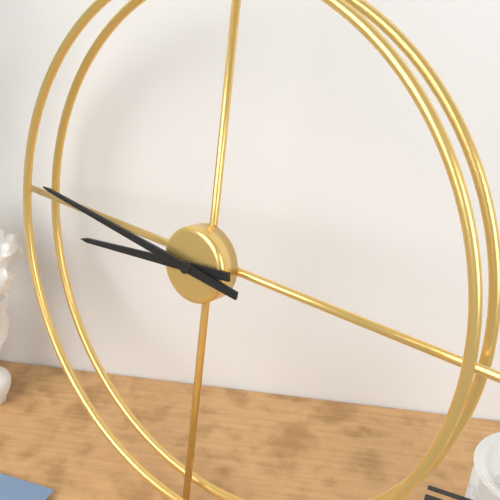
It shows **8:46**
